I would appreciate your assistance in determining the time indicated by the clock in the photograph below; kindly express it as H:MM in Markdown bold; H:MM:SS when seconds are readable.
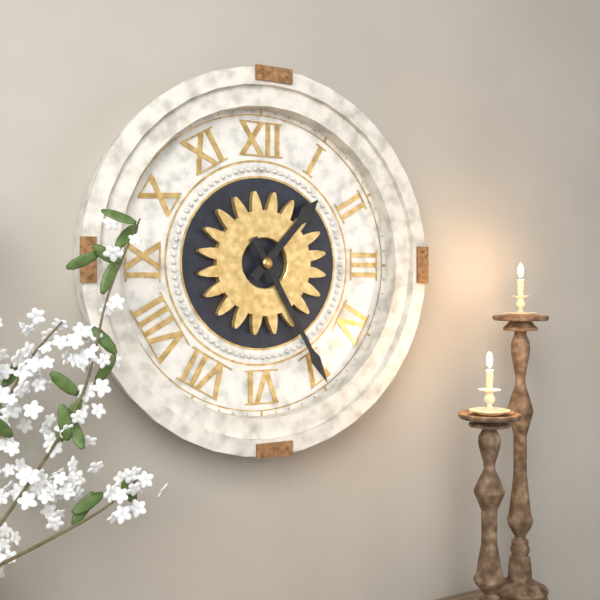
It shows **1:25**
